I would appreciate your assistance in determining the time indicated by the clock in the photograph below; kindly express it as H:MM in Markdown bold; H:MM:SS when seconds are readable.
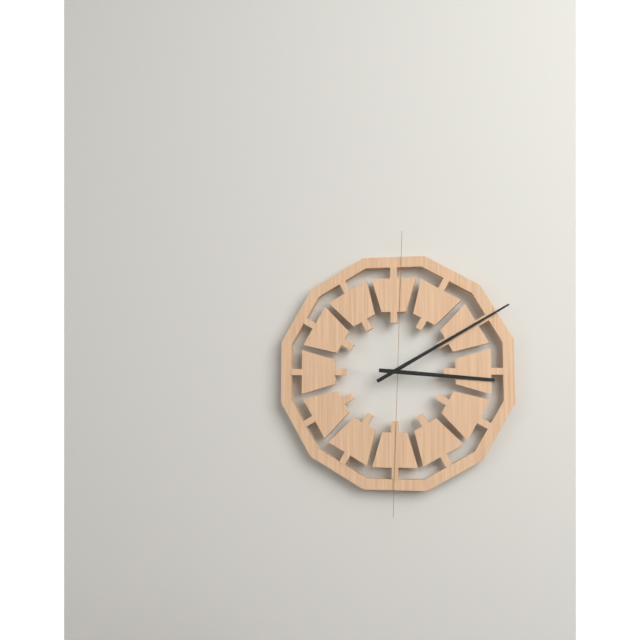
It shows **3:10**
